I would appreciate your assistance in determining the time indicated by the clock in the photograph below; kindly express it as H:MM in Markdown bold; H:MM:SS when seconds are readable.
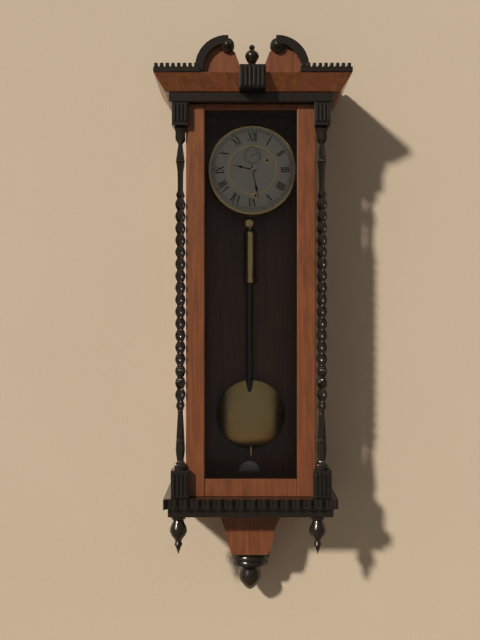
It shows **9:28**
